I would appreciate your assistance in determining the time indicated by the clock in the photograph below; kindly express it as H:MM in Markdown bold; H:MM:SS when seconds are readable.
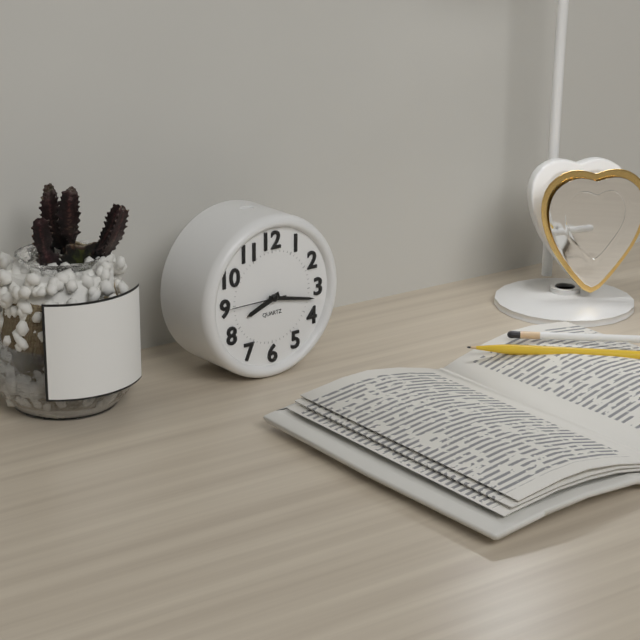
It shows **8:17:45**
